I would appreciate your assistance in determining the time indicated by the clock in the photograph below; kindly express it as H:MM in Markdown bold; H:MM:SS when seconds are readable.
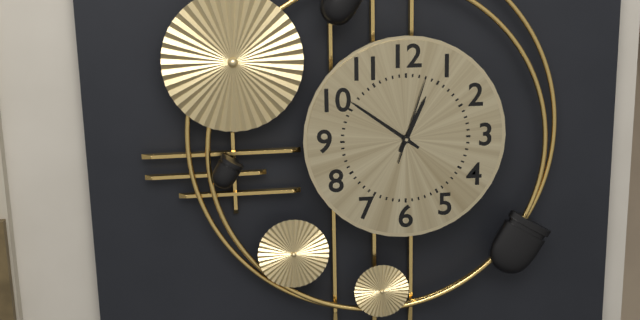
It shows **12:51:03**
